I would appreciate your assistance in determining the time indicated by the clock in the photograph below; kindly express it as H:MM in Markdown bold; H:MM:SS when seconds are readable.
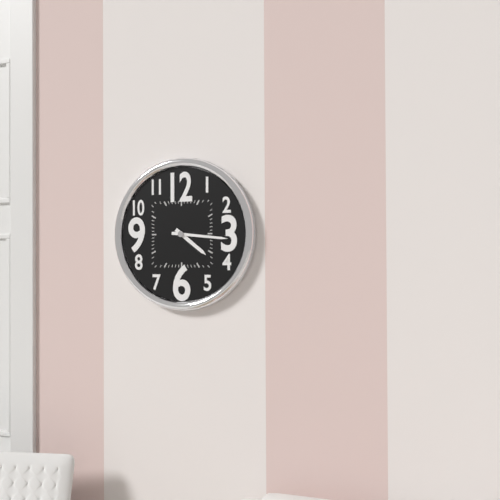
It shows **4:16**
